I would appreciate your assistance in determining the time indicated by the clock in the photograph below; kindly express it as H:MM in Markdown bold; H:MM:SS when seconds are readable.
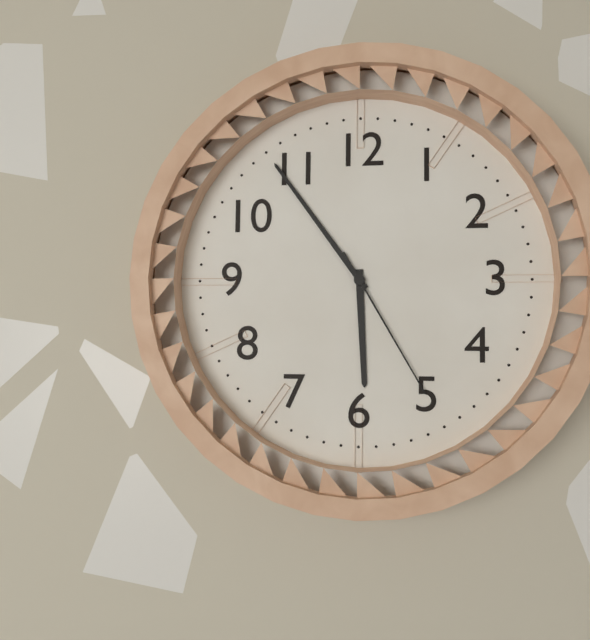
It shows **5:54:25**
